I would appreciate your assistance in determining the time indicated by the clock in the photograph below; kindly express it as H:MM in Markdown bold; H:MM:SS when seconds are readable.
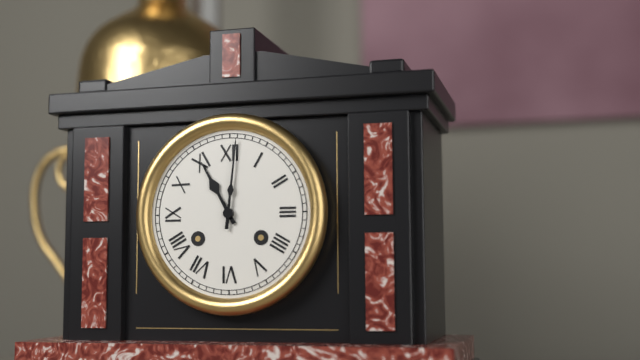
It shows **11:01**
